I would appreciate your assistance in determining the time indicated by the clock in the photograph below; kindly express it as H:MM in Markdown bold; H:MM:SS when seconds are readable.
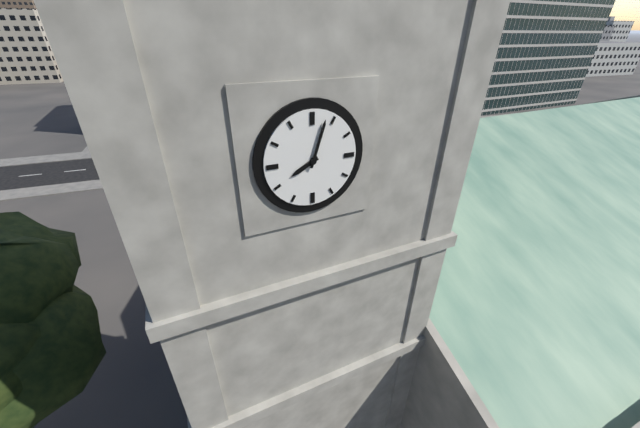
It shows **8:03**
